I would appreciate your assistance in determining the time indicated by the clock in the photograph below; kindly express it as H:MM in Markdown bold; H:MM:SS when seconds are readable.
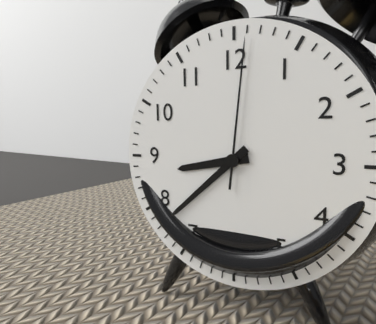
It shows **8:38:01**
